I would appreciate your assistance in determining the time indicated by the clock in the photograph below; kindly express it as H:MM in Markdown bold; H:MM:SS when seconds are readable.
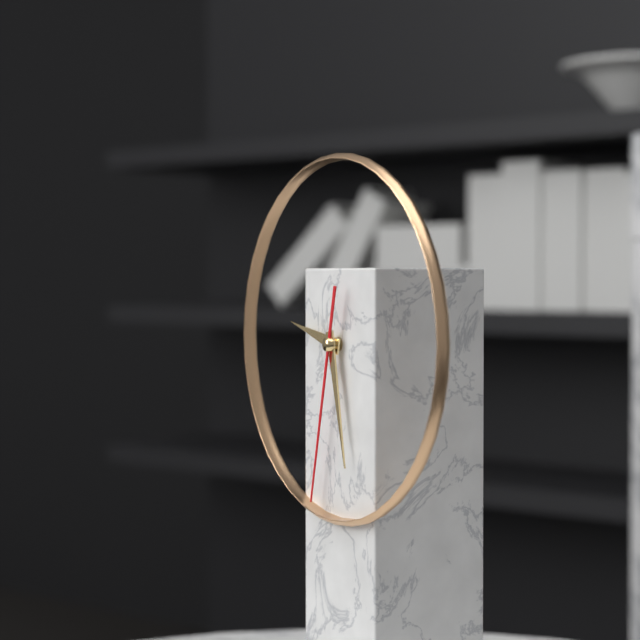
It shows **9:28:32**
